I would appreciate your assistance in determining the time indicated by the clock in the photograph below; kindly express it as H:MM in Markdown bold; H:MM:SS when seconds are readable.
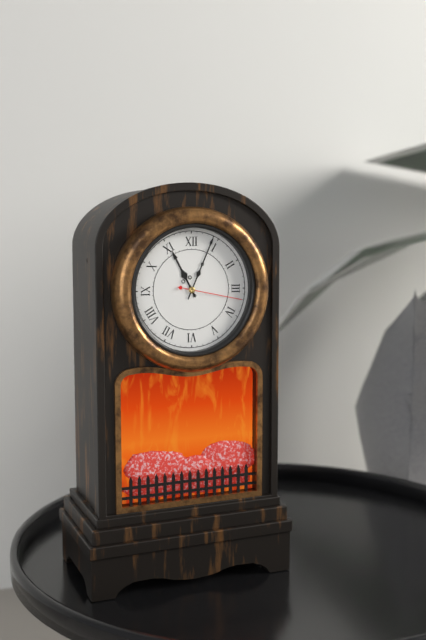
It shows **11:04:17**
